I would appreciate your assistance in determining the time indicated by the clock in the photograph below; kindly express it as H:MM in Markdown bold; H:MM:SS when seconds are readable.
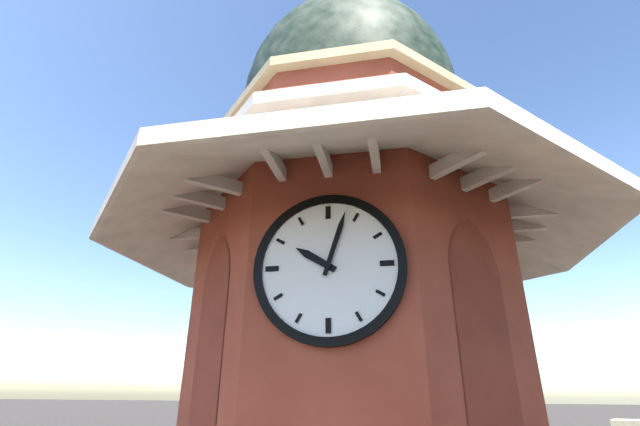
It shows **10:03**
